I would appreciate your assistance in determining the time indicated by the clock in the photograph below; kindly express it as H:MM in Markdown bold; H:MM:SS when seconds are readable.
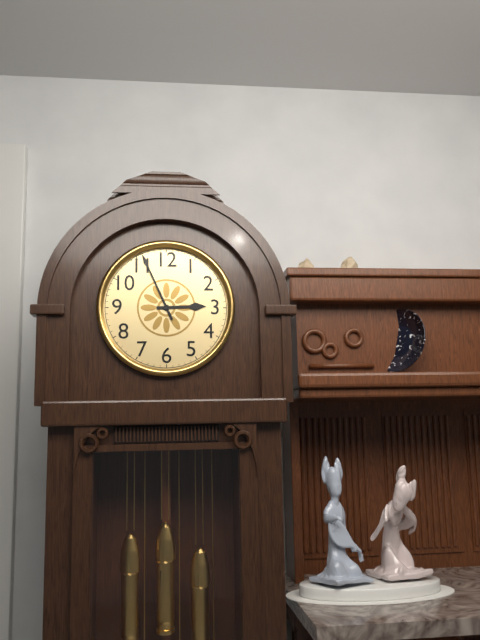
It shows **2:56**
